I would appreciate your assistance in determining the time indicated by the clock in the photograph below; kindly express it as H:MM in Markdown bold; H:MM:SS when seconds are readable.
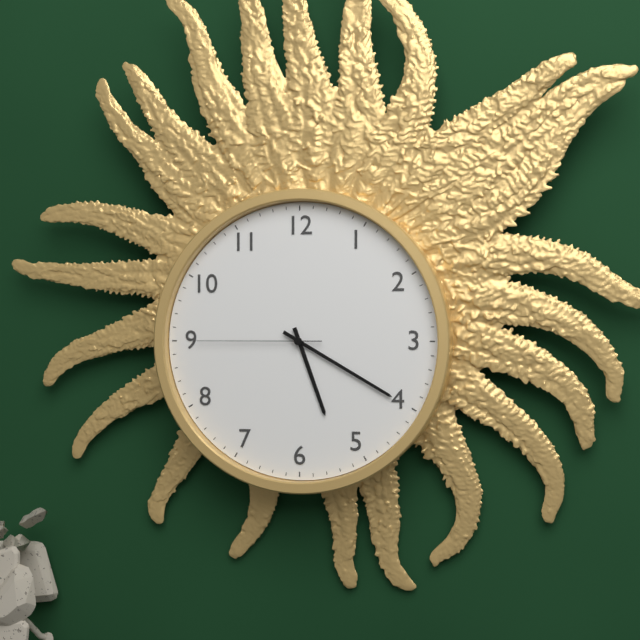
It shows **5:20:45**
